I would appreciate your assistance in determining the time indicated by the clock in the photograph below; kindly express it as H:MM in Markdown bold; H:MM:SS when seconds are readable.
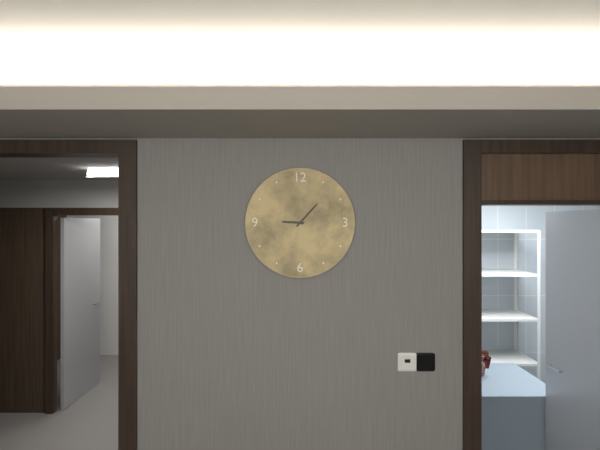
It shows **9:07**
